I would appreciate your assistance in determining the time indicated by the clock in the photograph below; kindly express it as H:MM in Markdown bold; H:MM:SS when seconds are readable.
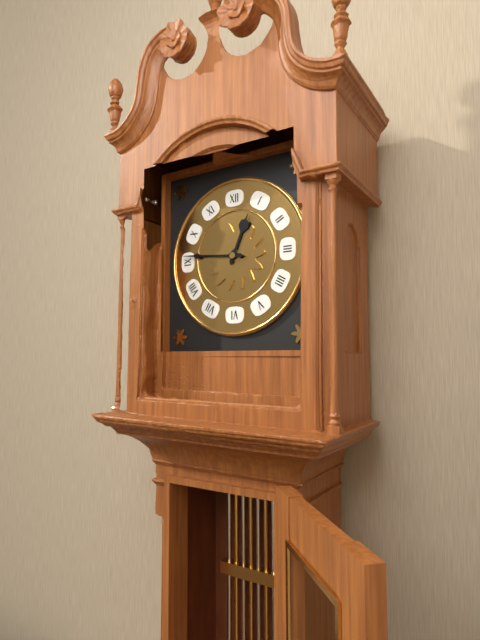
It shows **12:46**
